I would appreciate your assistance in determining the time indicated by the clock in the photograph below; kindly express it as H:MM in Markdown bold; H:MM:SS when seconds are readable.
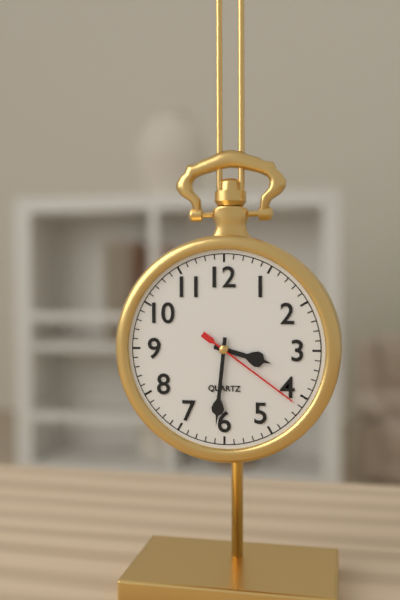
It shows **3:31:21**
